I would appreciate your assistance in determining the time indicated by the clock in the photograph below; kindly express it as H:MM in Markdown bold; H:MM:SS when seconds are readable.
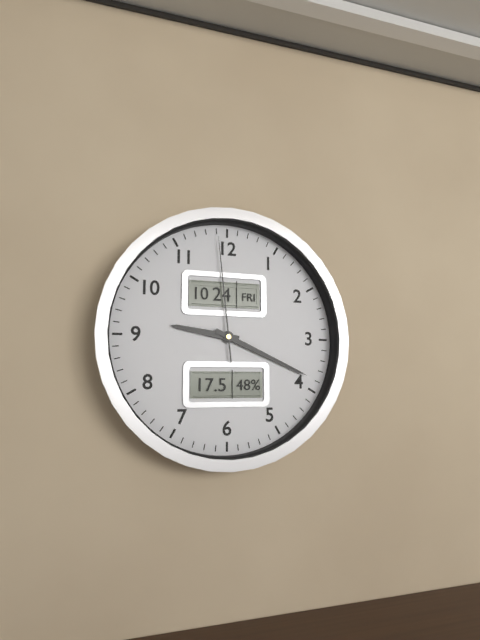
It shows **9:19:59**
